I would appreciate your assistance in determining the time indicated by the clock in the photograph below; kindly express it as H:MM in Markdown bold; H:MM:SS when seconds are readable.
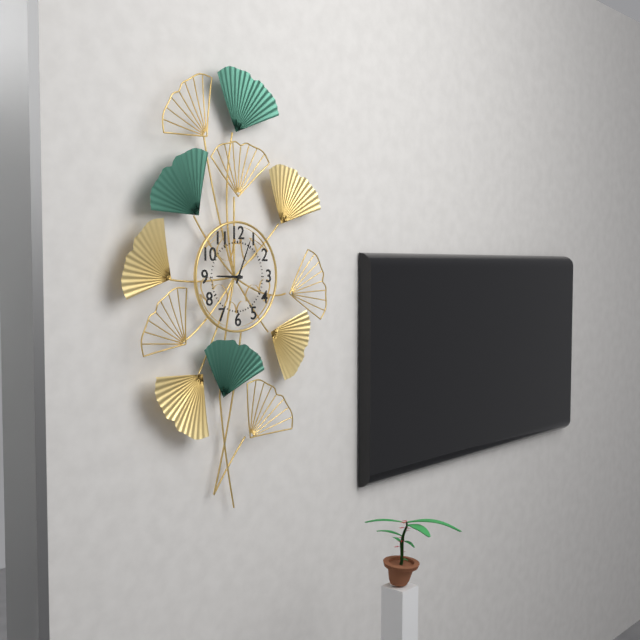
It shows **9:04**
